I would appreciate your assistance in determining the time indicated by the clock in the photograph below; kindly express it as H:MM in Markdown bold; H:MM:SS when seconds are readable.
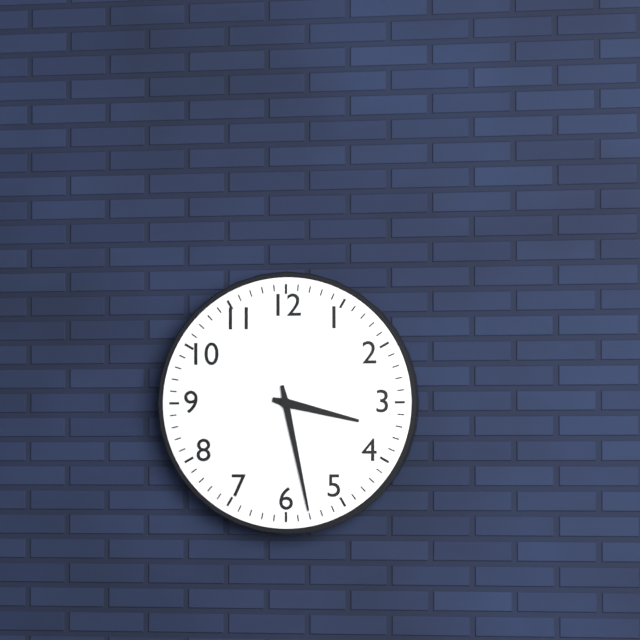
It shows **3:28**
